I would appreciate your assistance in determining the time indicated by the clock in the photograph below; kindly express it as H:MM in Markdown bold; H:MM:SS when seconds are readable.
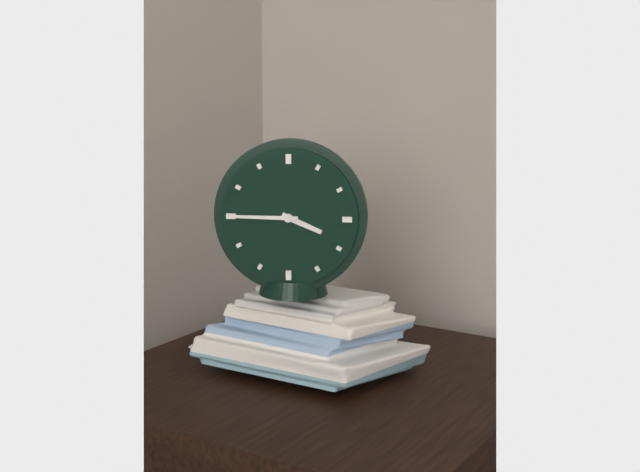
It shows **3:45**
